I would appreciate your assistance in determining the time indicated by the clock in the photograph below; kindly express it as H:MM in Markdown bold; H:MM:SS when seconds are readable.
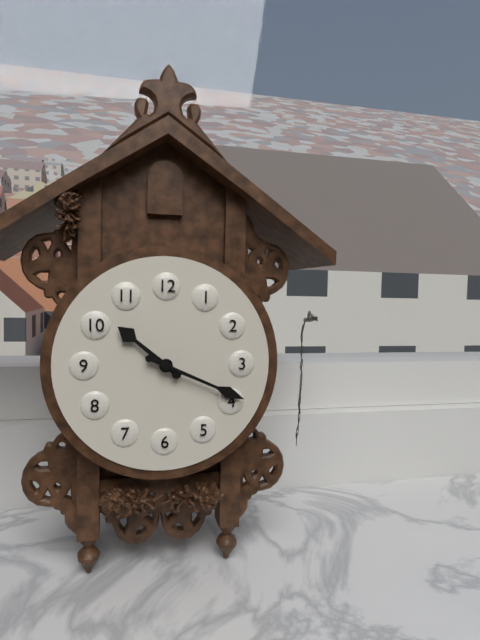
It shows **10:19**
